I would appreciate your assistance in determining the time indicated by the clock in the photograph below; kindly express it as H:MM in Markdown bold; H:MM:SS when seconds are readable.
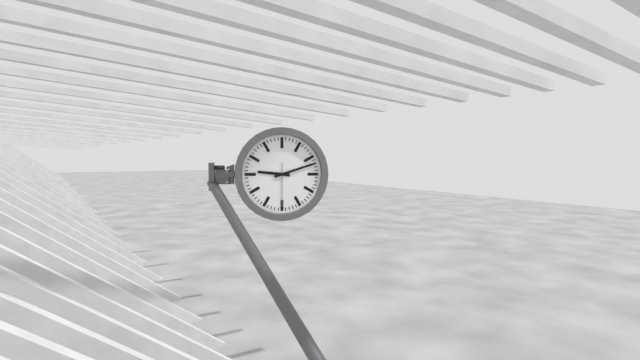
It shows **9:12**
